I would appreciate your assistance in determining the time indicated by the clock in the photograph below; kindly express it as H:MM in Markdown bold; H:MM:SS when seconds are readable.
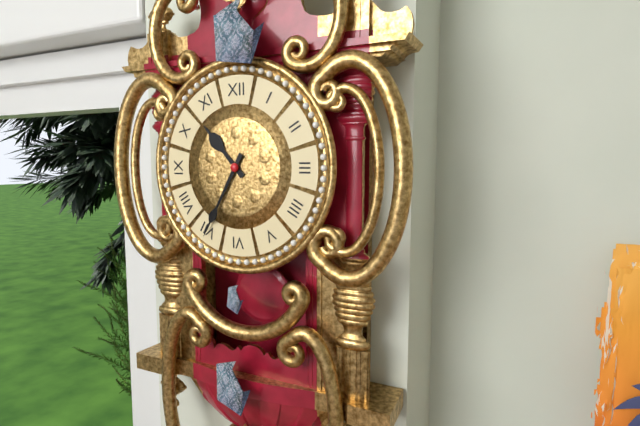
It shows **10:35**
